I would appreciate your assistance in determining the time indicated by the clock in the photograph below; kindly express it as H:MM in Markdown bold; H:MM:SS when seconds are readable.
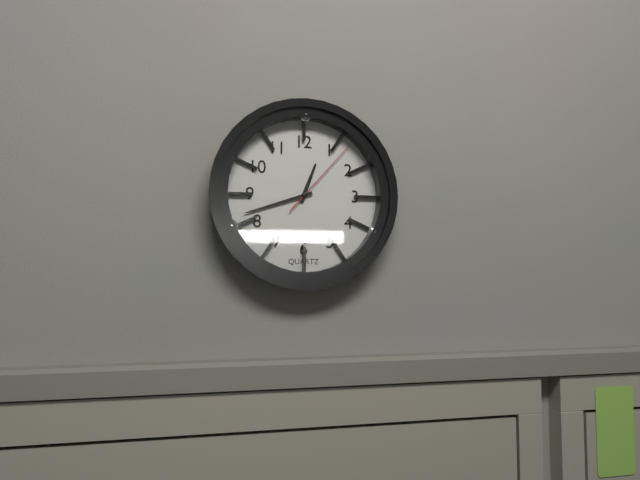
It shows **12:42:07**
